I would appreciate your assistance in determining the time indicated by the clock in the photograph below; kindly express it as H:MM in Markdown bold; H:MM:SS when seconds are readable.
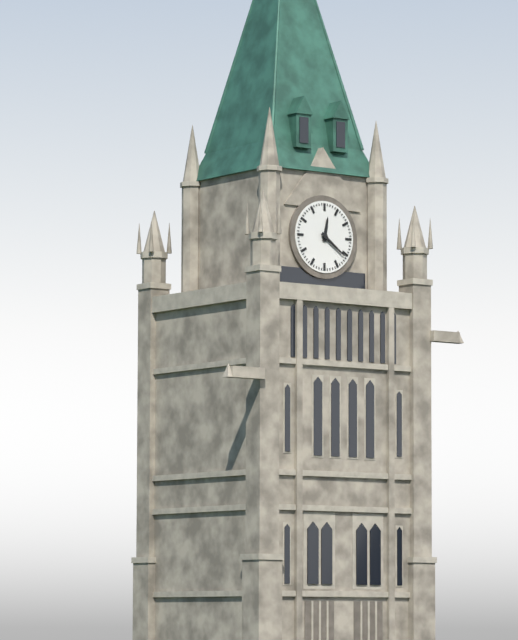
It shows **12:21**
